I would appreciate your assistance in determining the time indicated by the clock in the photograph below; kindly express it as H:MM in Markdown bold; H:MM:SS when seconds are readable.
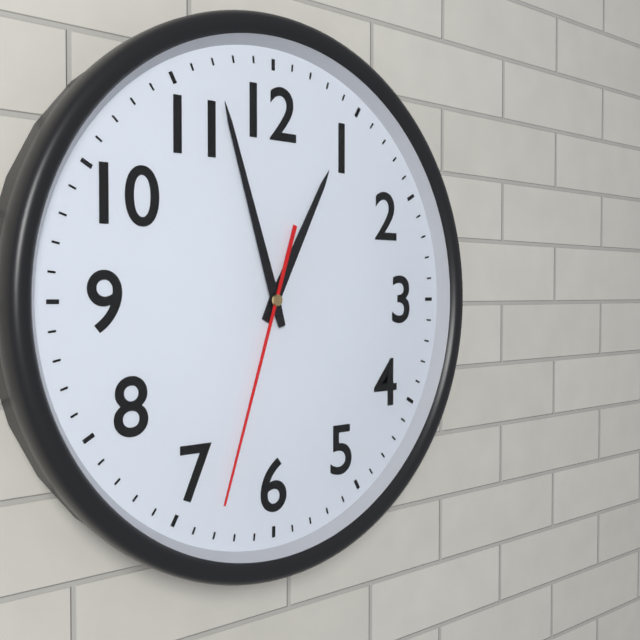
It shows **12:57:33**
